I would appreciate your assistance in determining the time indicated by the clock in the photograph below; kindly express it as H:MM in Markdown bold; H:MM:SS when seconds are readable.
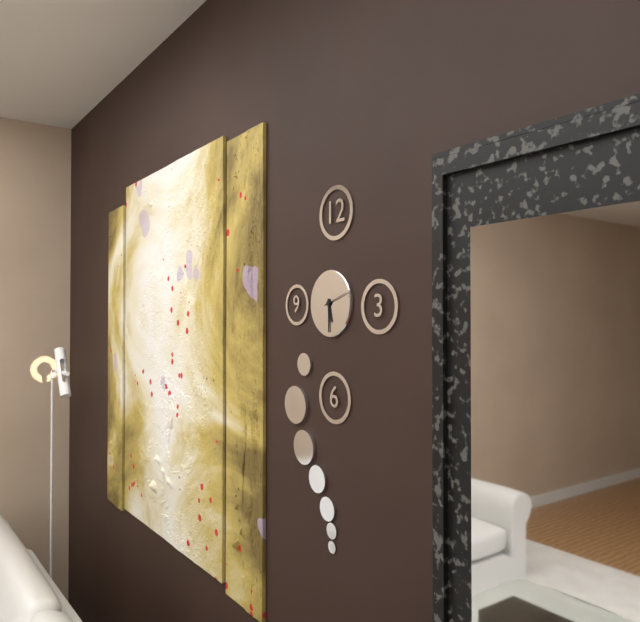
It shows **5:30**
